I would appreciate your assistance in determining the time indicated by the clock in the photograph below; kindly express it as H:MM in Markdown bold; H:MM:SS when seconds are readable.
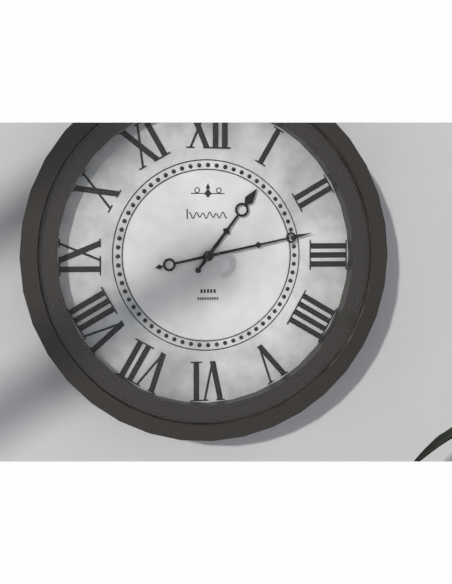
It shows **1:13**
